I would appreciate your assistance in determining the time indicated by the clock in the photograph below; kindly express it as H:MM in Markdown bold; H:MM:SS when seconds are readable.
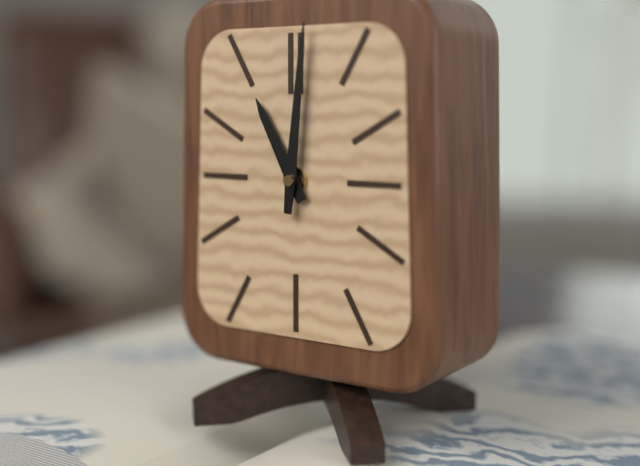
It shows **11:01**
